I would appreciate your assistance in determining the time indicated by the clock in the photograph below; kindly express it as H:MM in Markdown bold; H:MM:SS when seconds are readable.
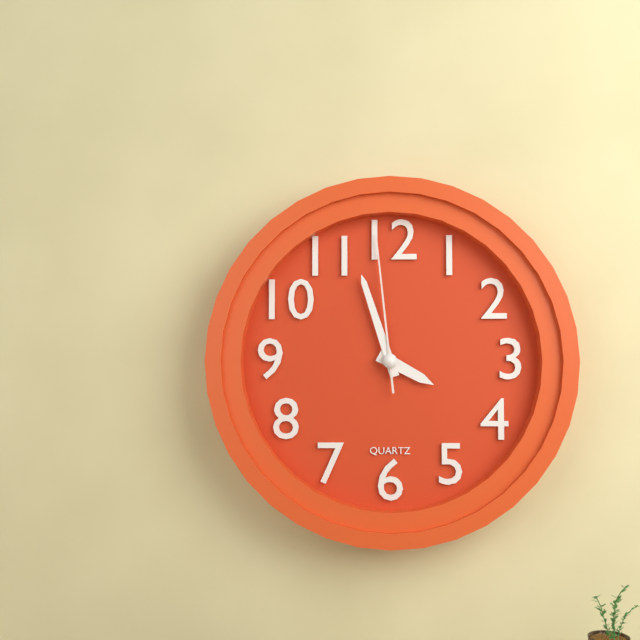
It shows **3:57:59**
